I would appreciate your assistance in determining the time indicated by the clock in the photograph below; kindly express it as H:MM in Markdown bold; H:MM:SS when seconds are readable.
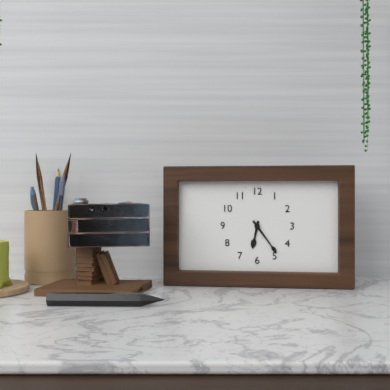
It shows **6:24**
